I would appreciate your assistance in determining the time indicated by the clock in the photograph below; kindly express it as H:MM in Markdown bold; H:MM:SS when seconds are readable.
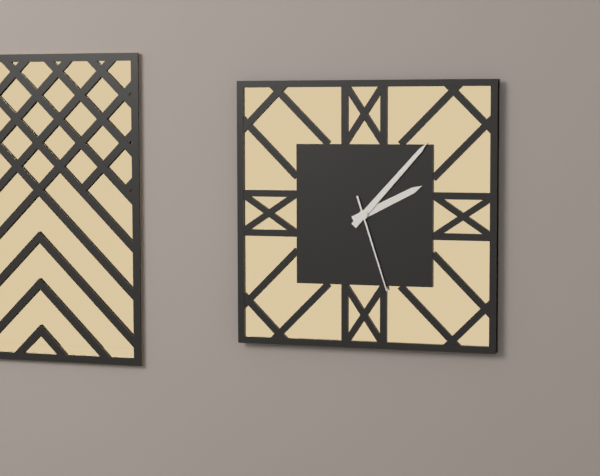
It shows **2:07:27**
